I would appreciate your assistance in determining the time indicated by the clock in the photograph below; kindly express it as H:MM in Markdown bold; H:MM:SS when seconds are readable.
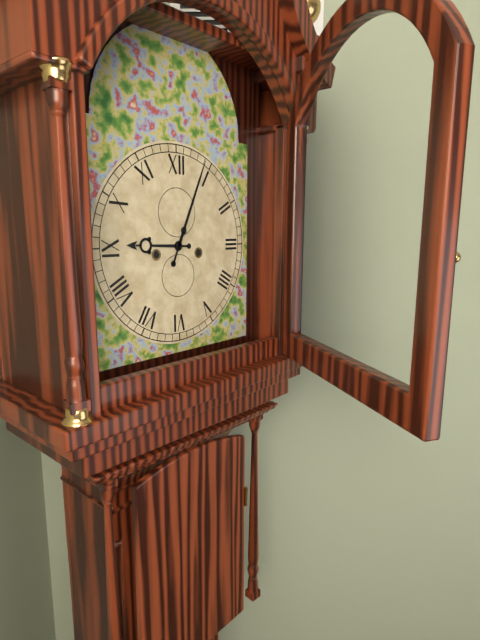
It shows **9:04**
